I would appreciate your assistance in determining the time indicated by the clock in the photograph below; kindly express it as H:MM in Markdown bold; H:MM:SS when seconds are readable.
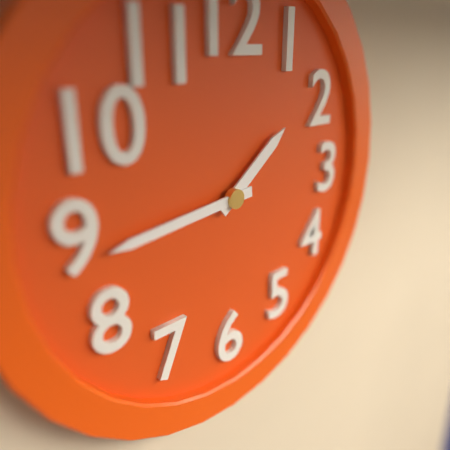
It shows **1:44**
